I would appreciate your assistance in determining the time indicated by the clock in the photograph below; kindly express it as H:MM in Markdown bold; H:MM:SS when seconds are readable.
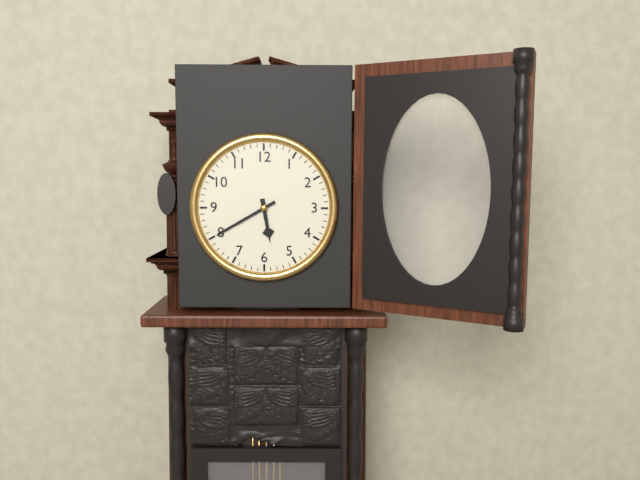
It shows **5:40**
